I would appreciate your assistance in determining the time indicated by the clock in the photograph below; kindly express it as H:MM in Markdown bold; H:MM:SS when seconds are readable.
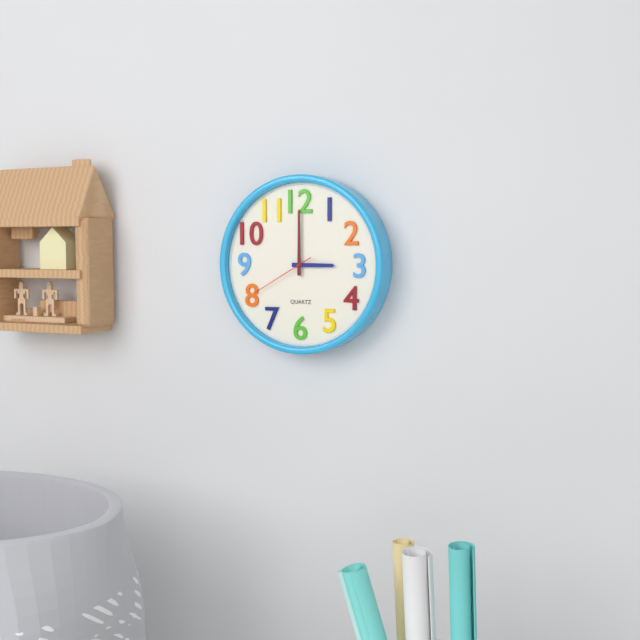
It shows **3:00:40**
